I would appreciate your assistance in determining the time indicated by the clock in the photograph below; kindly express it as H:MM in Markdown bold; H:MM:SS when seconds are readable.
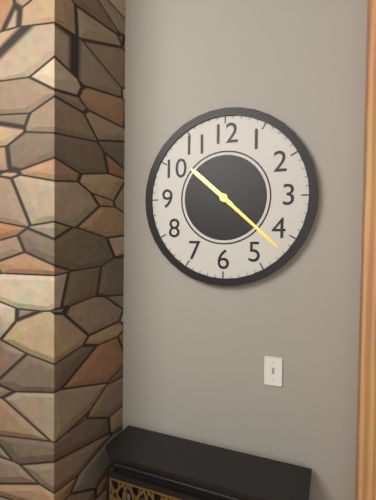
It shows **10:22**
